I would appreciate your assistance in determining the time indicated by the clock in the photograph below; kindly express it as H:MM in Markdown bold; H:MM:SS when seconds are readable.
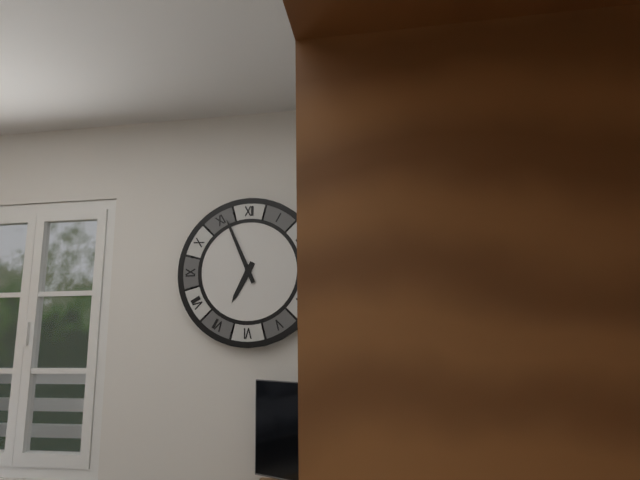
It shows **6:56**
